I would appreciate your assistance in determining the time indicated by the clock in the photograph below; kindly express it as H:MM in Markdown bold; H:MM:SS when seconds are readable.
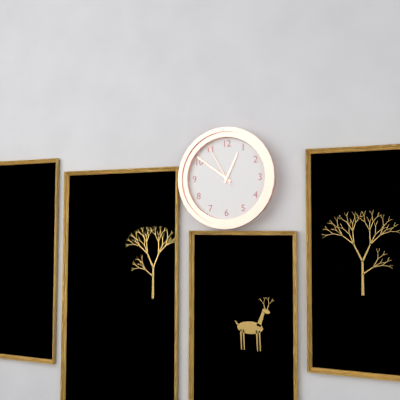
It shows **12:51:55**
